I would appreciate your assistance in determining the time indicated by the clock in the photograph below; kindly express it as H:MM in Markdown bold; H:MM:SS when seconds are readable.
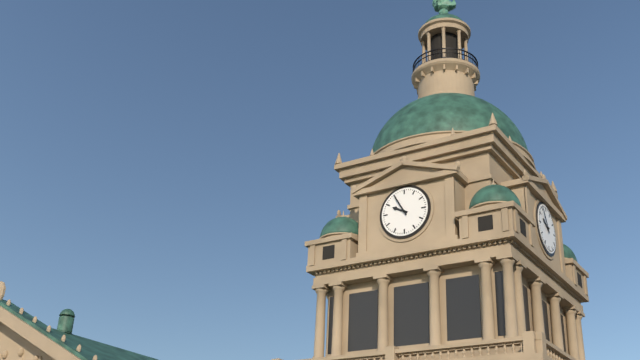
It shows **9:55**
